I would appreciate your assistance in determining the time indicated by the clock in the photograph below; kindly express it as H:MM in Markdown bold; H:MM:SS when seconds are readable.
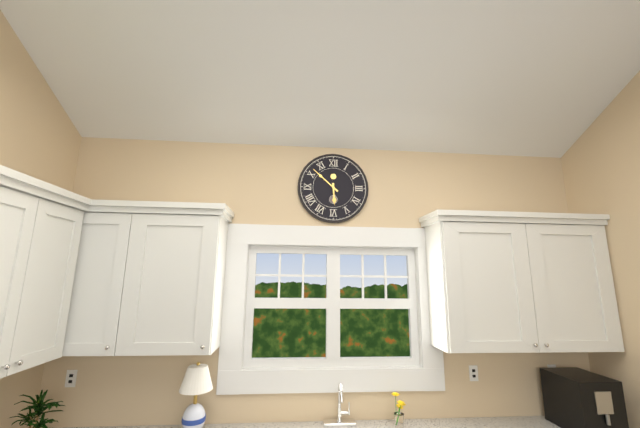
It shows **5:52**
